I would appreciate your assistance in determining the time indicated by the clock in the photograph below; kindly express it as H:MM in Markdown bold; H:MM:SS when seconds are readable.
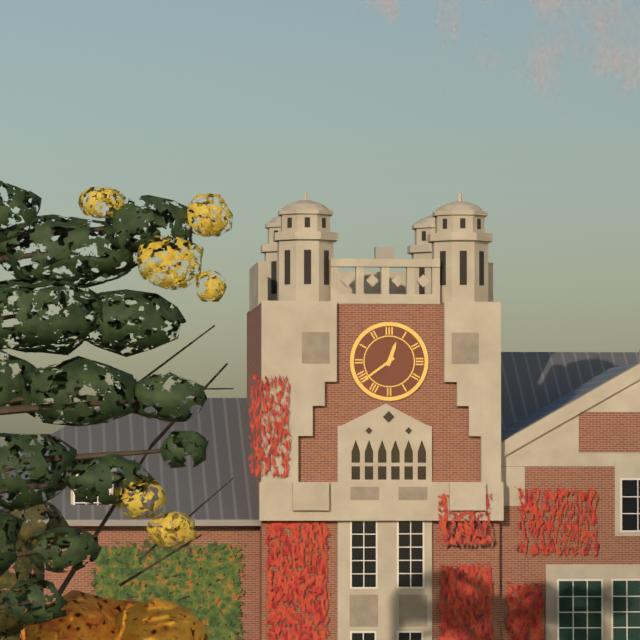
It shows **12:39**
